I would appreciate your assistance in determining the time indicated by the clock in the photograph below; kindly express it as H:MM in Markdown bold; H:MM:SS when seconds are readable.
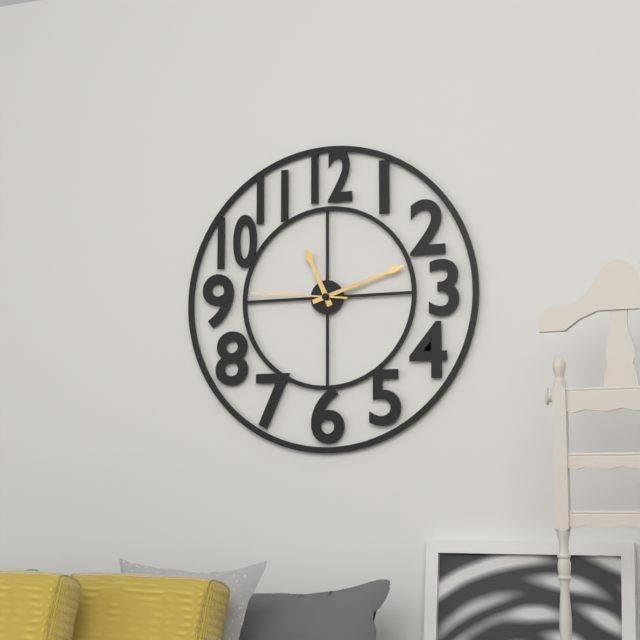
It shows **11:12:46**
